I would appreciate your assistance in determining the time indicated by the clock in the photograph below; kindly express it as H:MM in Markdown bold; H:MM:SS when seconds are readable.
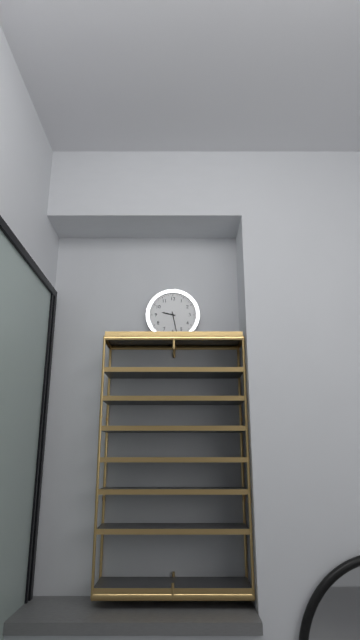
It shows **9:28**
